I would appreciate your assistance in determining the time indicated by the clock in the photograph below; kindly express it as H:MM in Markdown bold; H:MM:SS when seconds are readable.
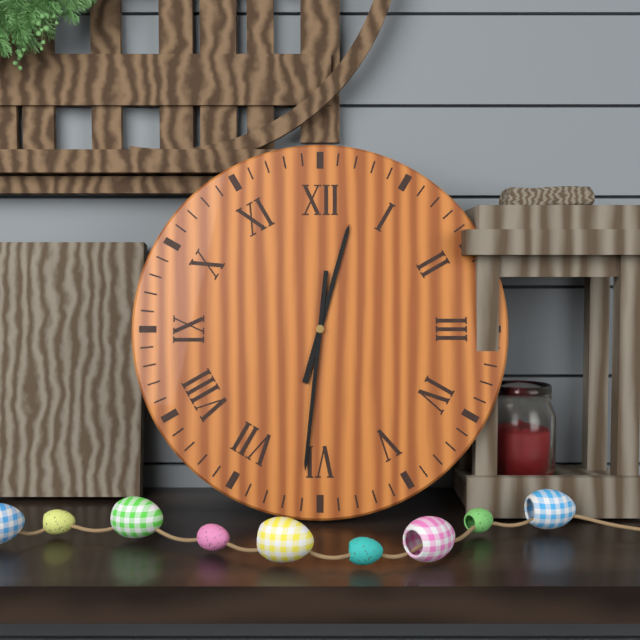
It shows **12:31**
